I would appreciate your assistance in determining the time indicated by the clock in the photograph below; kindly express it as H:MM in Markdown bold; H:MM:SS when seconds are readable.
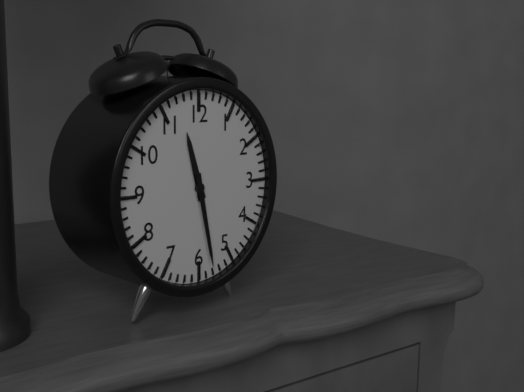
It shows **11:28**
